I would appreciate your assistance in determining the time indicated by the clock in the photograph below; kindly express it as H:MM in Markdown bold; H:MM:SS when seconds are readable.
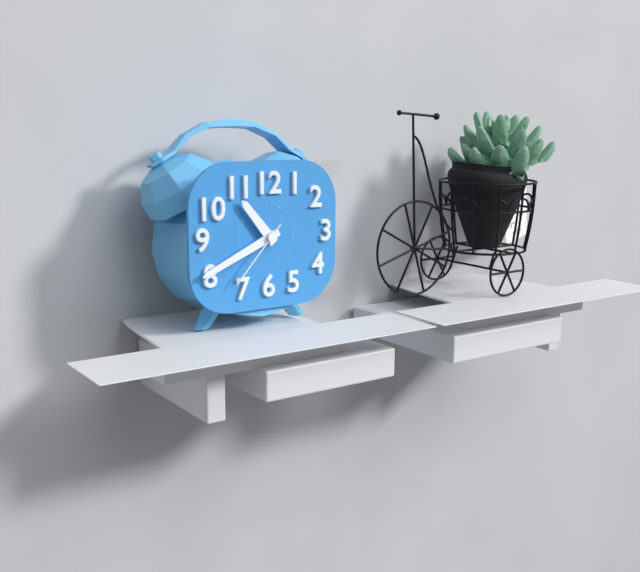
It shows **10:41:37**
